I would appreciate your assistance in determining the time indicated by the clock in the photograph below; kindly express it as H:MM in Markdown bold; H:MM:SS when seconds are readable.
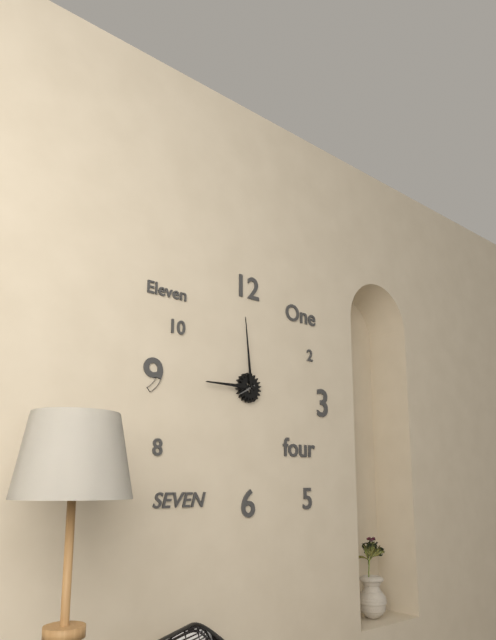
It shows **8:59**
